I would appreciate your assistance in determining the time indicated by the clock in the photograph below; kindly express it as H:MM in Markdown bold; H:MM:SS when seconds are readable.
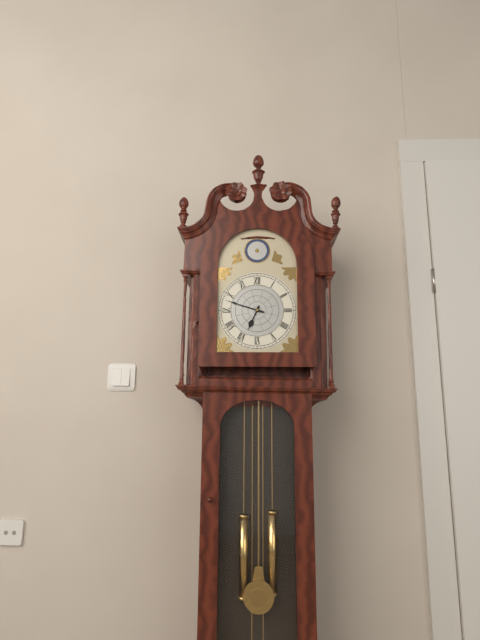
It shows **6:48**
